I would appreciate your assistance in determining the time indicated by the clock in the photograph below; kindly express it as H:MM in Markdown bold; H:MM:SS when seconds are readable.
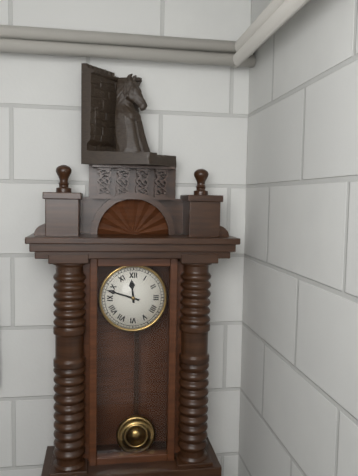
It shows **11:48**
